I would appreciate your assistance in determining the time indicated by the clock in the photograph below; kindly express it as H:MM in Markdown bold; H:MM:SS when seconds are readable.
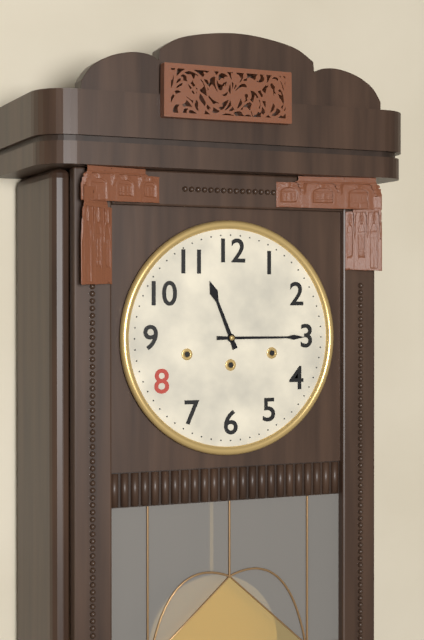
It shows **11:15**
